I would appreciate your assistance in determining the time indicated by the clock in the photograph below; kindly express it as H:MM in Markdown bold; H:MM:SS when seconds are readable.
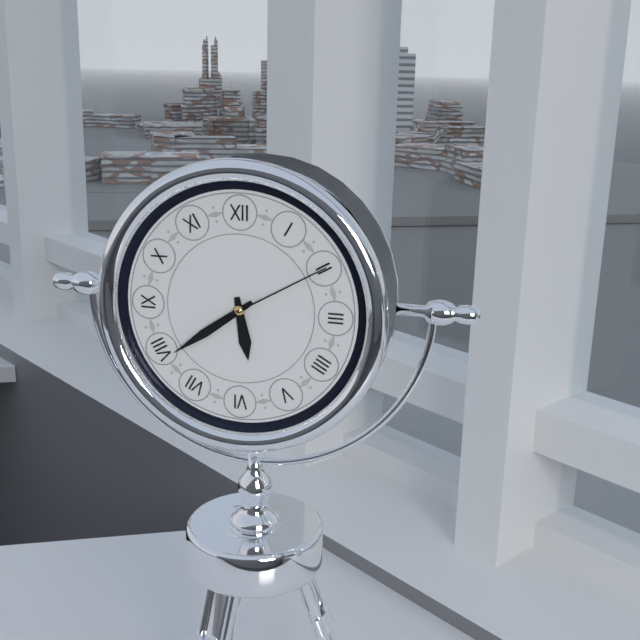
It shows **5:39:10**
